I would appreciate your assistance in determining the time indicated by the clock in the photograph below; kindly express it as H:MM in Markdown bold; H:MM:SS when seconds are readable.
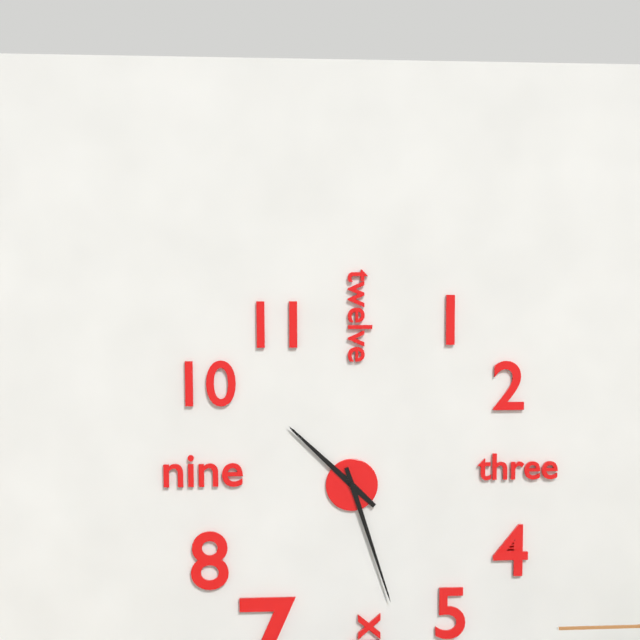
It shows **10:27**
